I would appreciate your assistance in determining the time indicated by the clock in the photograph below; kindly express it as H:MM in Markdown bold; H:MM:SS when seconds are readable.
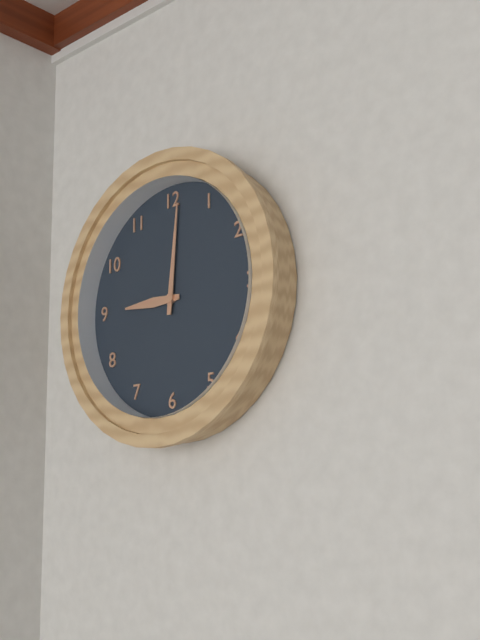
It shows **9:01**
